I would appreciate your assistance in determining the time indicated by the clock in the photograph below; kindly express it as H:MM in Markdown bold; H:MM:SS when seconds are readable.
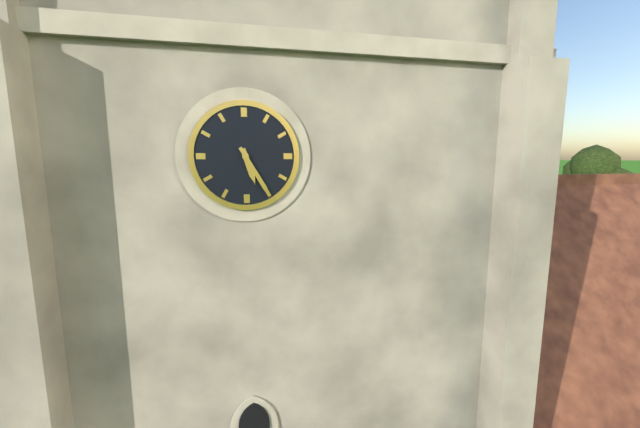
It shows **5:25**
